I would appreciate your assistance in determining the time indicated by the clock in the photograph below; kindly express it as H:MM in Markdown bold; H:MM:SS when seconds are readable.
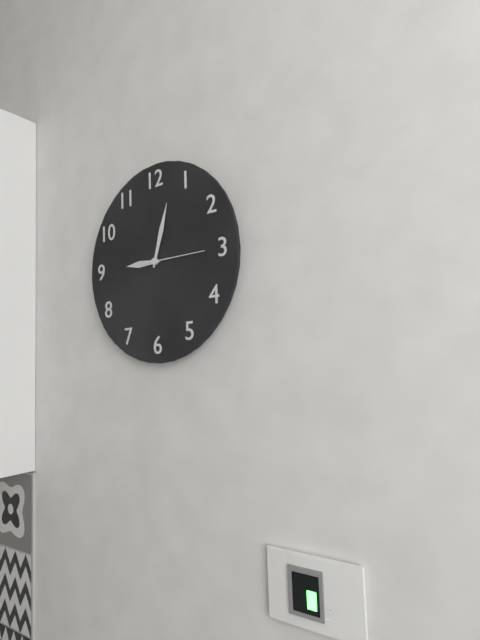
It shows **9:03:15**
